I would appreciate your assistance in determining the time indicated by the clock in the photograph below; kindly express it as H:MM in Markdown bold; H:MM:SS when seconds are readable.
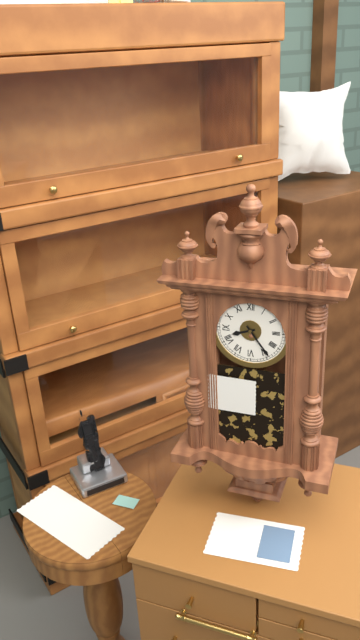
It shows **8:24**
